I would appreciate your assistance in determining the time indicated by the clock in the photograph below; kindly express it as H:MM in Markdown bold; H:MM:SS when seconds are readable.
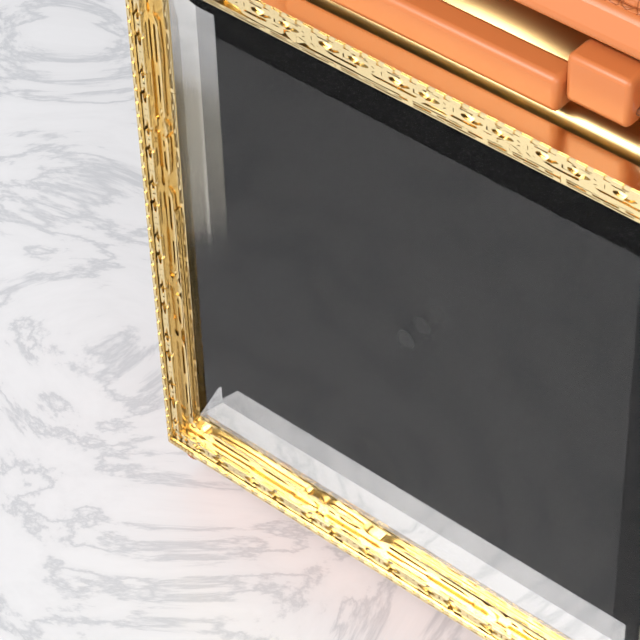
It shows **8:33**
